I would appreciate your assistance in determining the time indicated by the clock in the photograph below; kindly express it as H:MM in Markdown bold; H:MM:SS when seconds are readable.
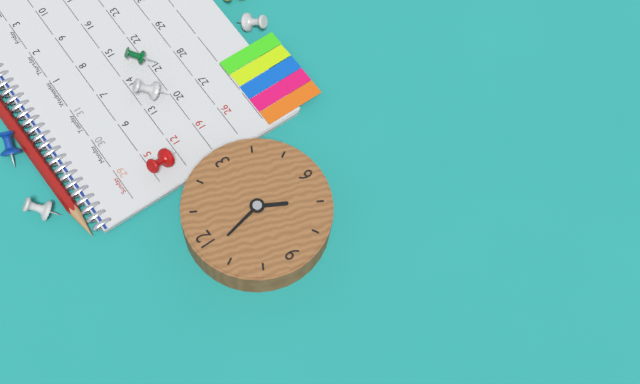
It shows **6:58**
